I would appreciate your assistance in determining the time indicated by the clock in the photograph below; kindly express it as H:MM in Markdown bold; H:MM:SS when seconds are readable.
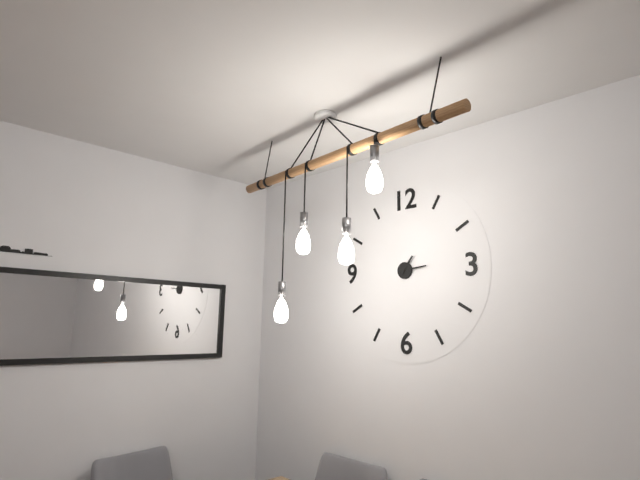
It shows **1:14**
